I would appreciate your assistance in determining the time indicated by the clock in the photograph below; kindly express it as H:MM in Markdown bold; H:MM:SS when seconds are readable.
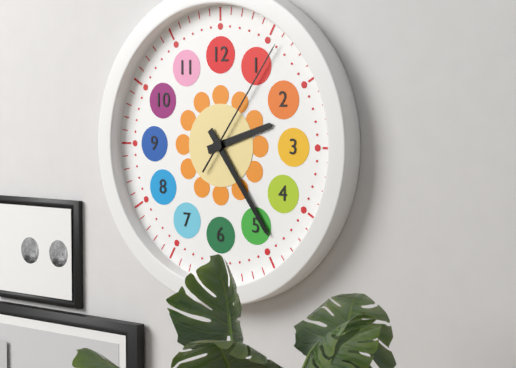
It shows **2:24:06**
